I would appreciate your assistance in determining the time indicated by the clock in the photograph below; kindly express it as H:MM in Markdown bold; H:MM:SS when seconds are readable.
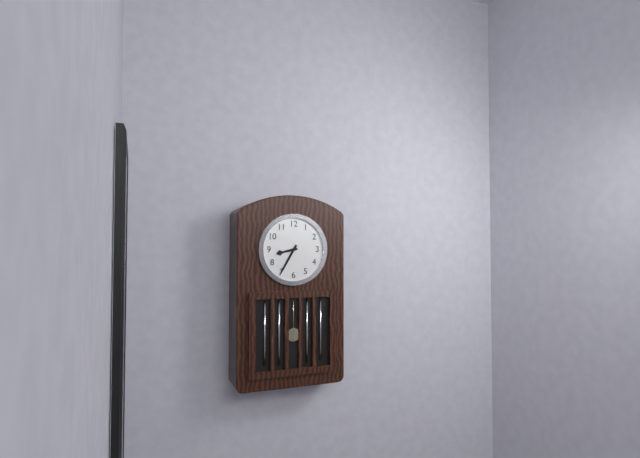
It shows **8:35**
